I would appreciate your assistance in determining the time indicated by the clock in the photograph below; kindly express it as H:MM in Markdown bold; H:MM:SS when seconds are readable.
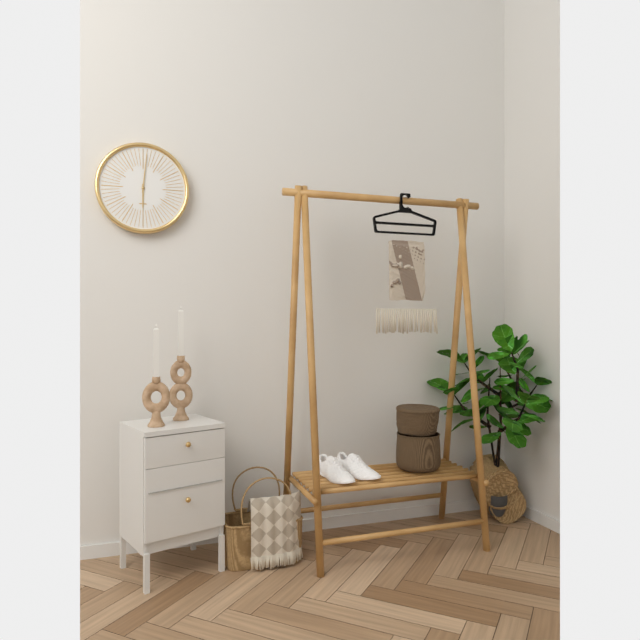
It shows **6:01**
